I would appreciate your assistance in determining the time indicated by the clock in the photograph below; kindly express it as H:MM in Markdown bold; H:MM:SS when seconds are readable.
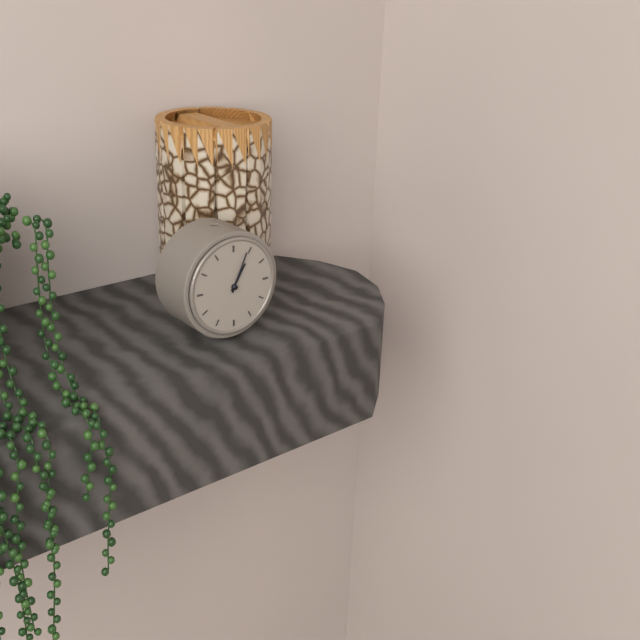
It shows **1:04**
